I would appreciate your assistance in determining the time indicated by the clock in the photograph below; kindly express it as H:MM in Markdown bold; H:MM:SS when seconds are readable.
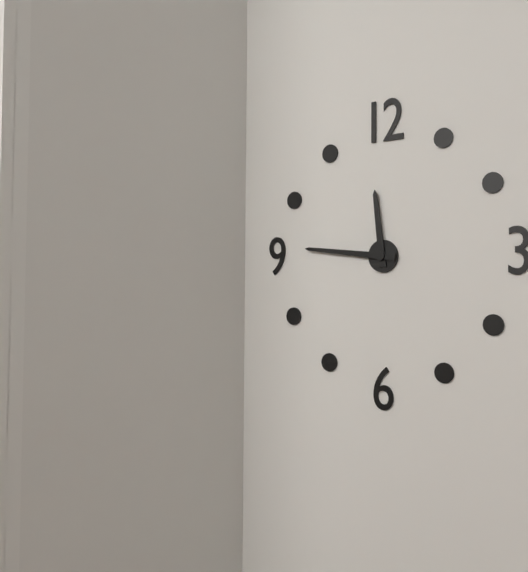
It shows **11:46**
